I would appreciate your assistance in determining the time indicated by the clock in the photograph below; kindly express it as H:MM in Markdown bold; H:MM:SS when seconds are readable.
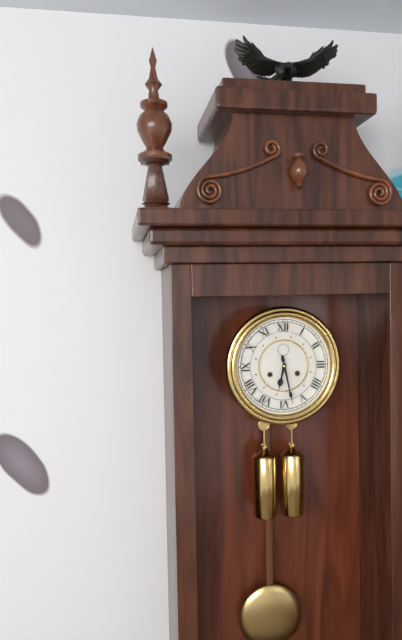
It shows **6:28**
